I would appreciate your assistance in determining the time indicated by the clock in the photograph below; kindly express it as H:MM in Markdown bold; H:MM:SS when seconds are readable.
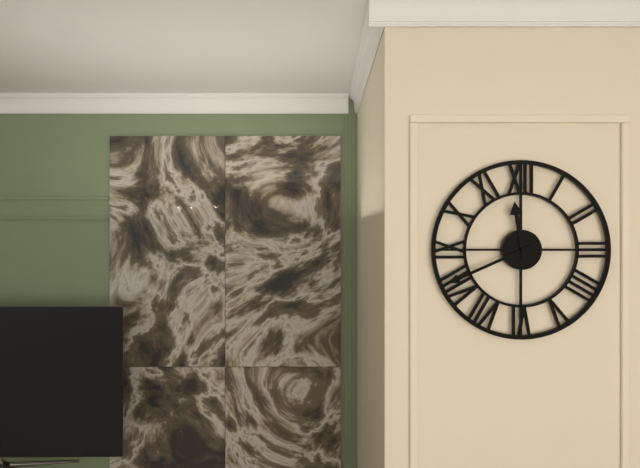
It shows **11:41**
